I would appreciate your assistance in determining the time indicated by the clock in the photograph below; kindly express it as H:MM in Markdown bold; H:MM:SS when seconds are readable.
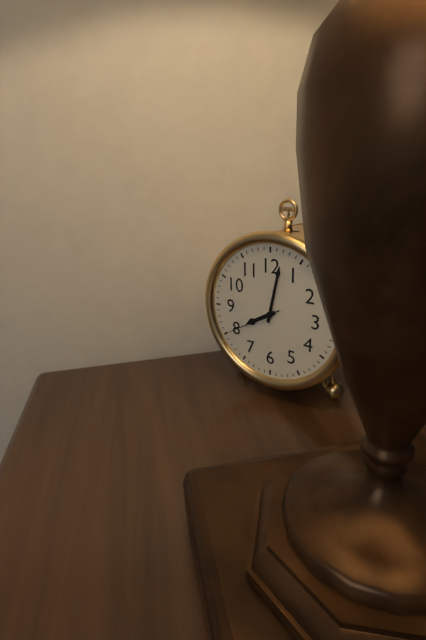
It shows **8:02:40**
